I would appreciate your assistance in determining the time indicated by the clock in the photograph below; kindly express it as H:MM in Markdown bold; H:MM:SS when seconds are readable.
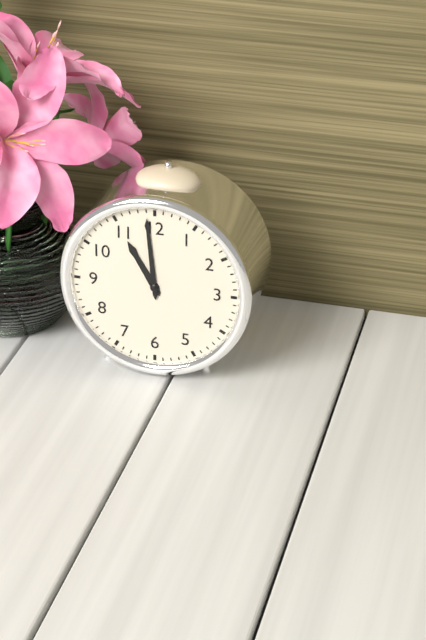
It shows **10:59**
